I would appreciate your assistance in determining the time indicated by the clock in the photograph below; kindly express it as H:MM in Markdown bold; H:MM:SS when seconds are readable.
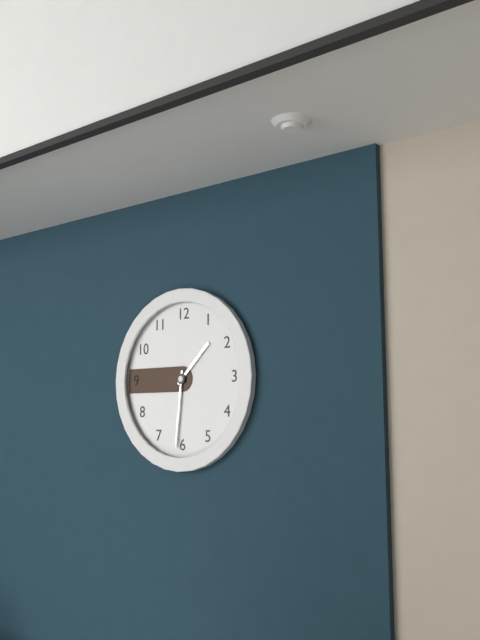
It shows **1:31**
